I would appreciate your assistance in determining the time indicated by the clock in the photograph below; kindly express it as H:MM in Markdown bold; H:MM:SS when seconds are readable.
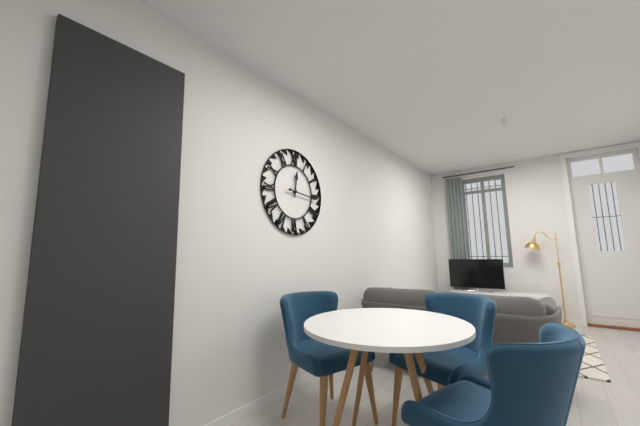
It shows **12:16**
